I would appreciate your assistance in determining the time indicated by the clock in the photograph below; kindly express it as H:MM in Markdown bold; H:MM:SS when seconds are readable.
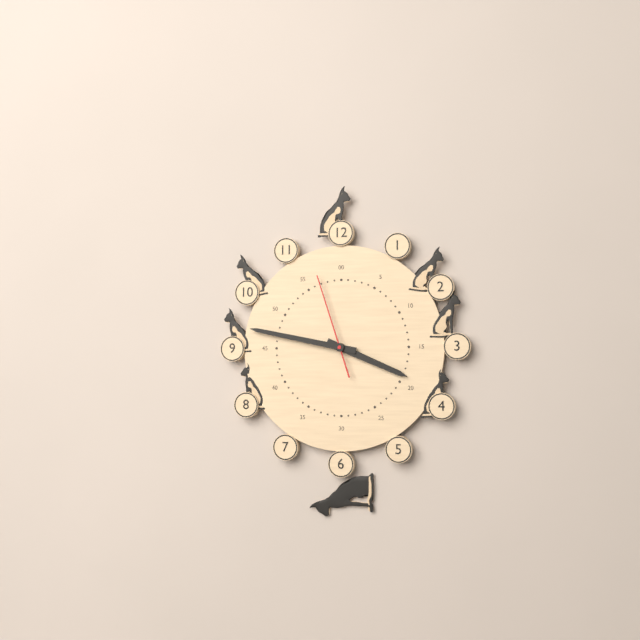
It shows **3:47:57**
